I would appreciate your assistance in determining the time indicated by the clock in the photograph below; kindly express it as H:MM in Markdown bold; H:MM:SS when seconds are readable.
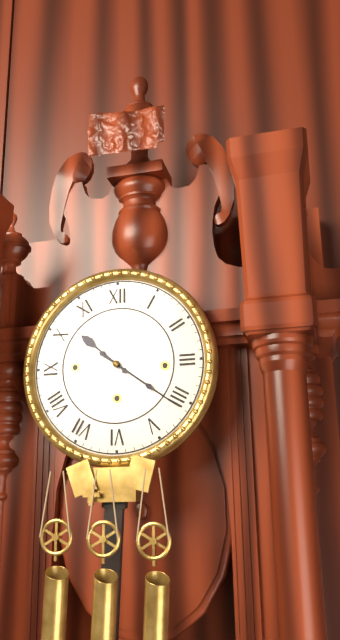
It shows **10:21**
